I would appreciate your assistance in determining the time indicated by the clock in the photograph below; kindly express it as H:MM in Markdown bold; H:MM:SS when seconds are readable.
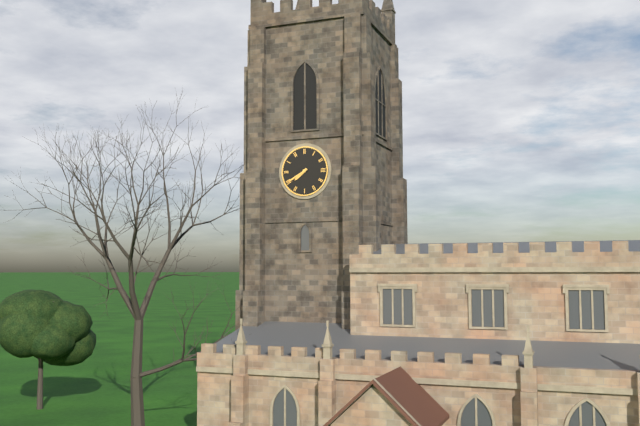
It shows **7:40**
